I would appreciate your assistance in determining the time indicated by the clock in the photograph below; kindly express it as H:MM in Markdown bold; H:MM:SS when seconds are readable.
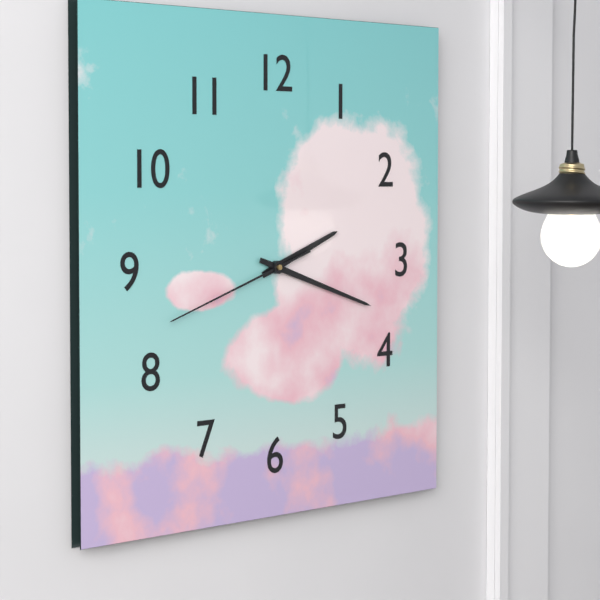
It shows **2:18:42**
